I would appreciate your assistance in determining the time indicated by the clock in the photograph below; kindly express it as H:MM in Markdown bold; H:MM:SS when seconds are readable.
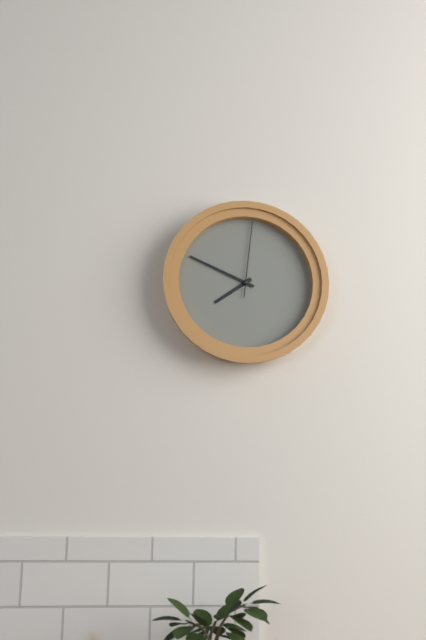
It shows **7:49:01**
